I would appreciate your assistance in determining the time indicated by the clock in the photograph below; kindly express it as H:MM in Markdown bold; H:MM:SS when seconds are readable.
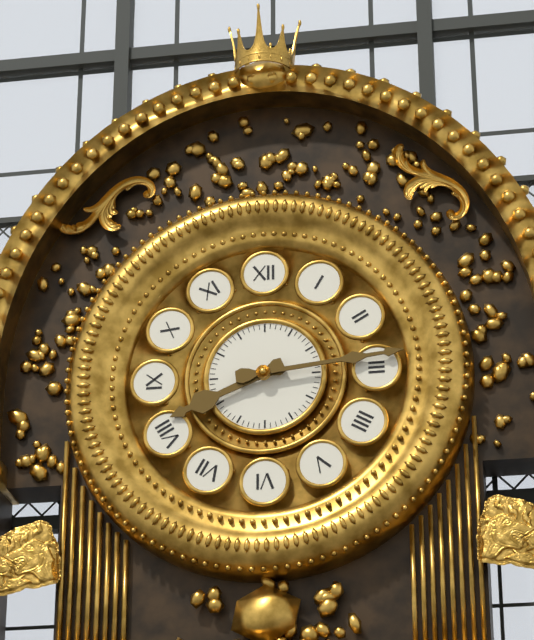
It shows **8:14**
